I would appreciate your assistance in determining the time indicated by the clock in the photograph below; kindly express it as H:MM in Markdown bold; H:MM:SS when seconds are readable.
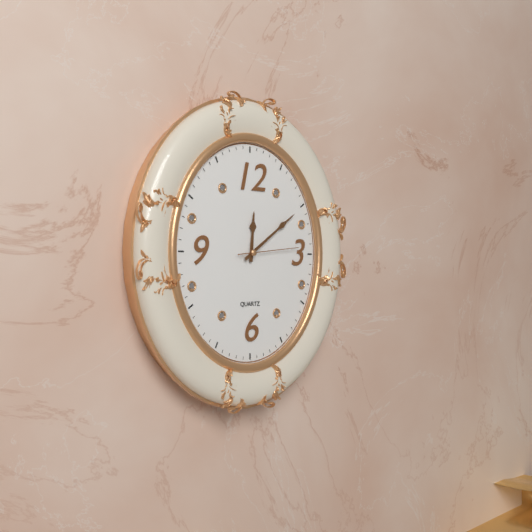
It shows **12:09:14**
